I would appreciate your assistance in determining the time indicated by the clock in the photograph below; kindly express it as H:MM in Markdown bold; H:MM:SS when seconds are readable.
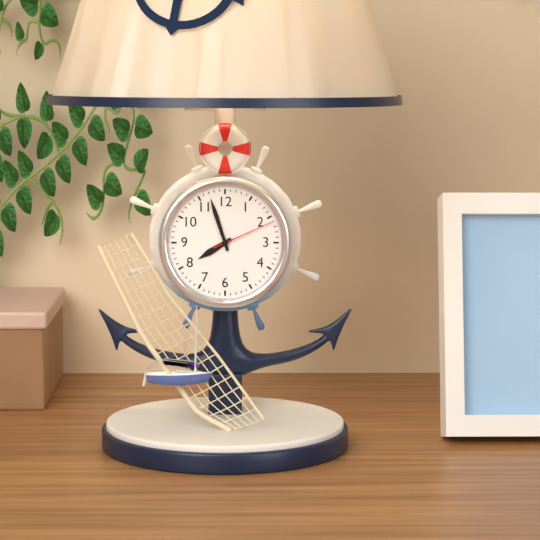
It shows **7:57:11**
